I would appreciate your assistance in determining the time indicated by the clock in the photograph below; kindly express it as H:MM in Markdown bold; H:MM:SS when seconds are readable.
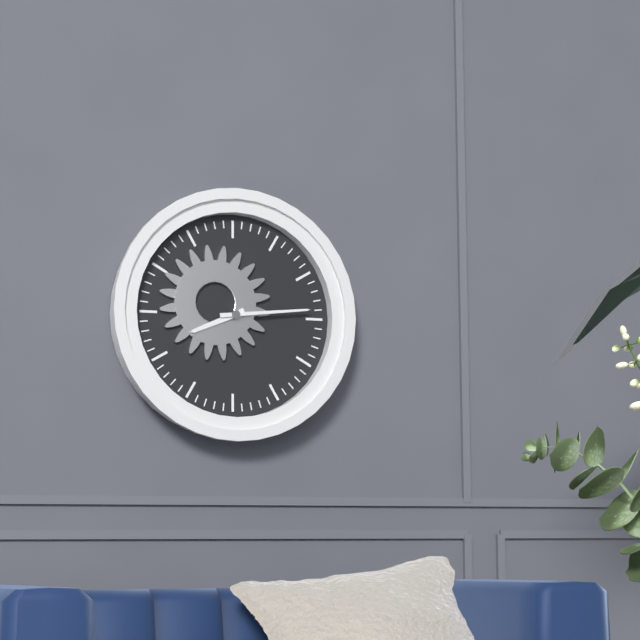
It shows **8:14**
